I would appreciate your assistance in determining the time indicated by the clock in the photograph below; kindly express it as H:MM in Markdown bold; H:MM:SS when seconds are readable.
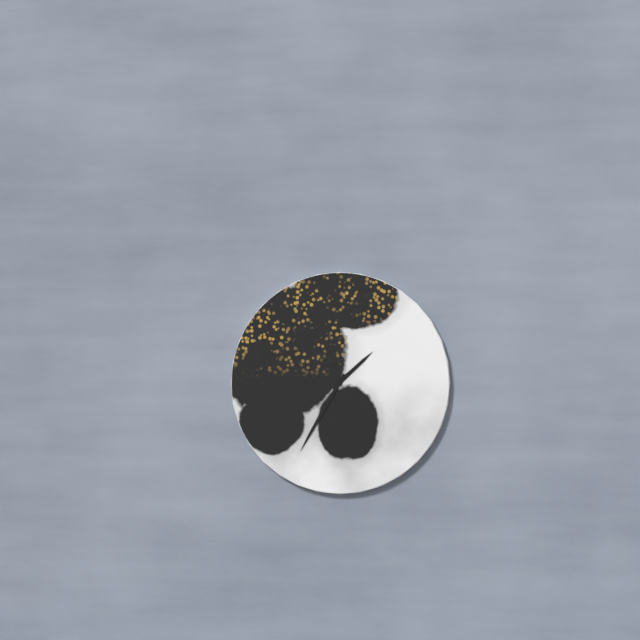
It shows **1:35**
